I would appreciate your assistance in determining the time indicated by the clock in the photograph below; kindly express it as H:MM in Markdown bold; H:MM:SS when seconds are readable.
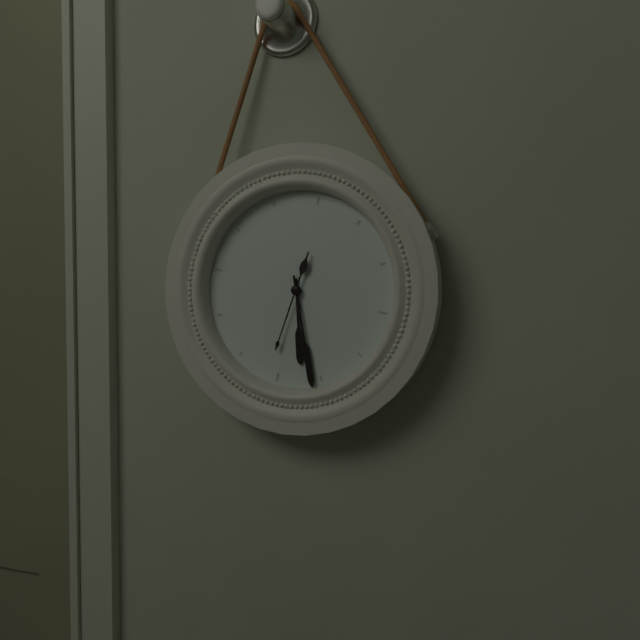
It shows **5:26:31**
